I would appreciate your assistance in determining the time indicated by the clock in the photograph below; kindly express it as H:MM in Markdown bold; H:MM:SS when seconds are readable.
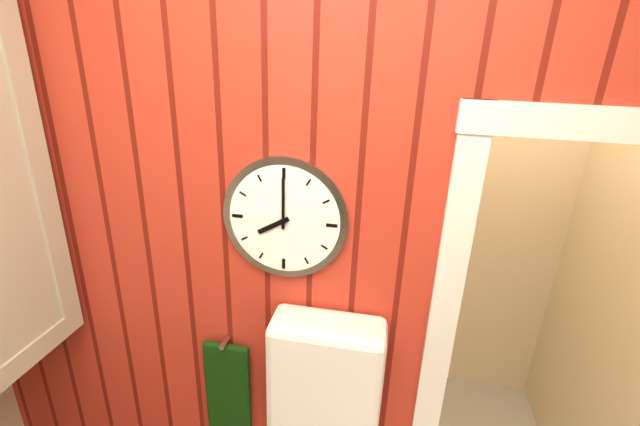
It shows **8:00**
